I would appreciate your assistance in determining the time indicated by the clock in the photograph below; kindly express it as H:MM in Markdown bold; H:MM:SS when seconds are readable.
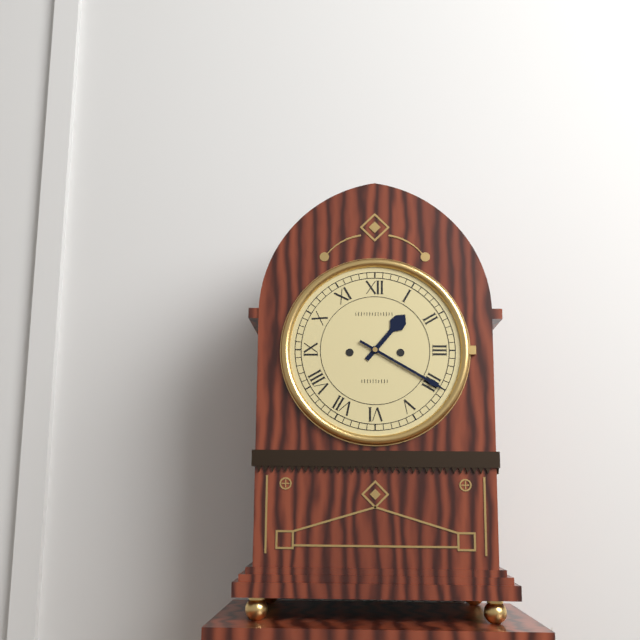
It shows **1:20**
